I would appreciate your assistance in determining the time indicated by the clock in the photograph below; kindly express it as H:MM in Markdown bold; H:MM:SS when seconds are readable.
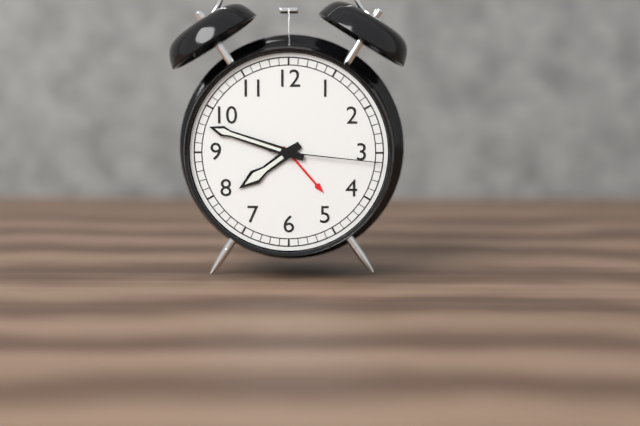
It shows **7:48:16**
